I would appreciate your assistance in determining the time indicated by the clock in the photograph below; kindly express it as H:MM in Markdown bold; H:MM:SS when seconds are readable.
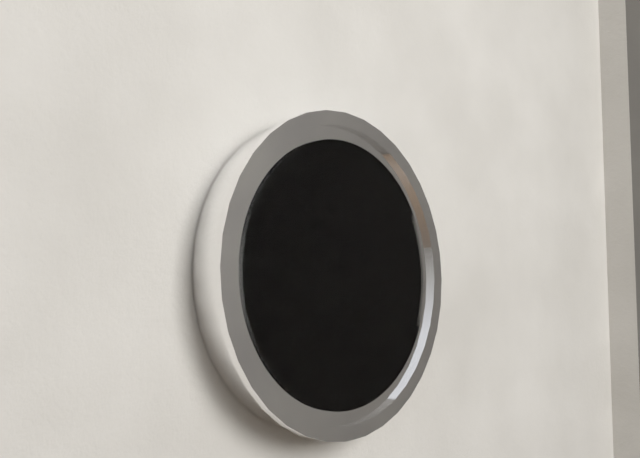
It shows **12:19**
